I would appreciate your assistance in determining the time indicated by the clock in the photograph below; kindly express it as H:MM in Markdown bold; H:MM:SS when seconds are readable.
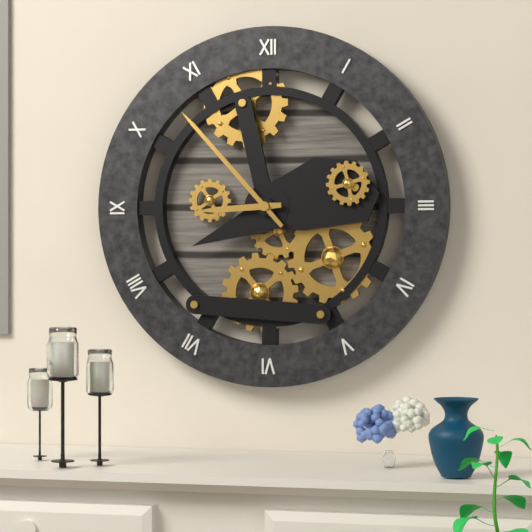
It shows **8:53**
